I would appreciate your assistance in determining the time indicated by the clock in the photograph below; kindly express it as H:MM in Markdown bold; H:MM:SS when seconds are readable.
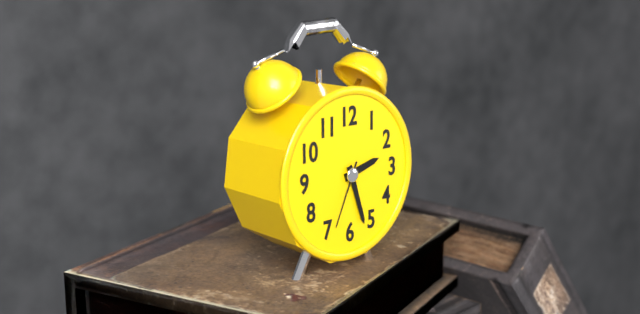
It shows **2:27:34**
